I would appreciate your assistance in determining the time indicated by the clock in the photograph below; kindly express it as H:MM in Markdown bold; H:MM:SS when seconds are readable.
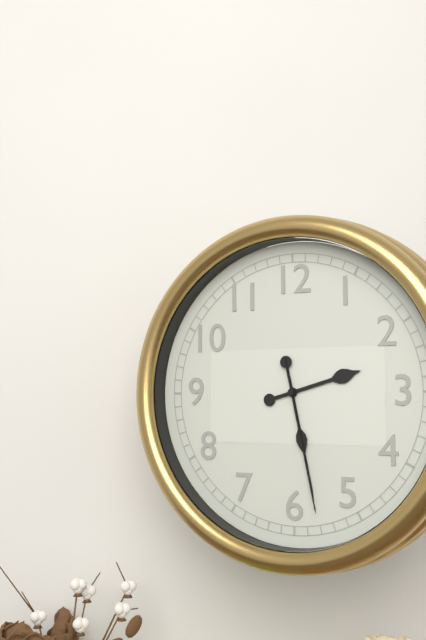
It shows **2:28:28**
